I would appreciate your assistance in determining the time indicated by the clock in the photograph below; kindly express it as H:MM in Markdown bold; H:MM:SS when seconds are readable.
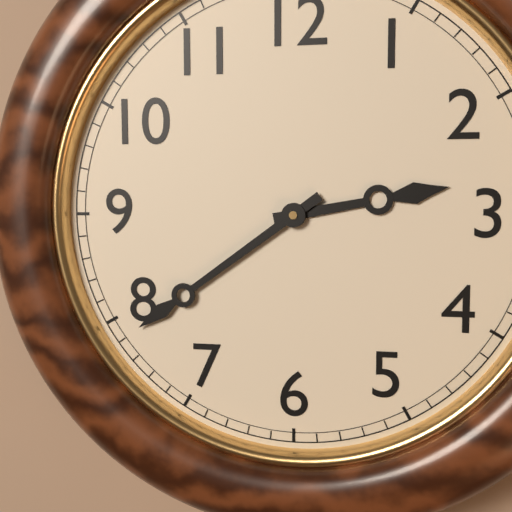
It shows **2:39**
